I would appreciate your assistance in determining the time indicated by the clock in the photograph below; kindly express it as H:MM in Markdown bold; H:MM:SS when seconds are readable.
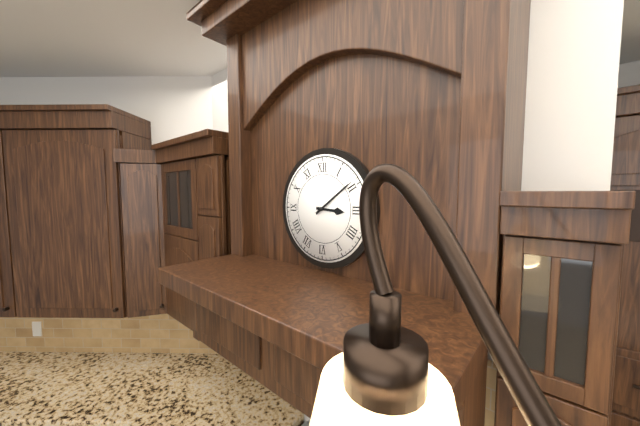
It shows **3:09**
